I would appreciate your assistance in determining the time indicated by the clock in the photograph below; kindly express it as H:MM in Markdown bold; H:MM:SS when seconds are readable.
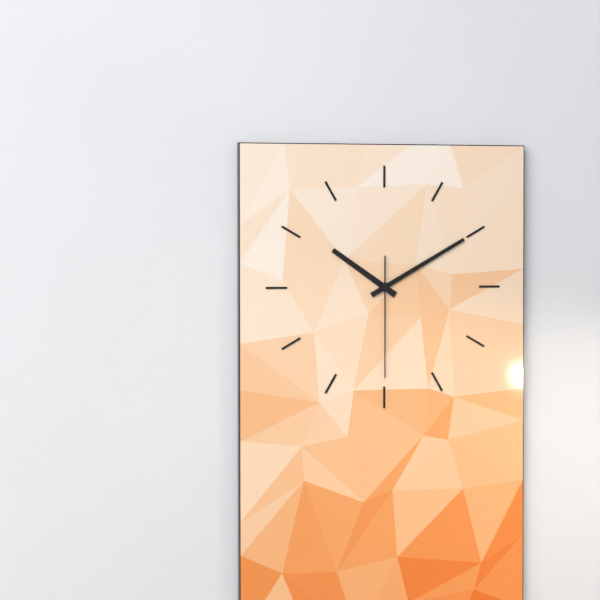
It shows **10:10:30**
